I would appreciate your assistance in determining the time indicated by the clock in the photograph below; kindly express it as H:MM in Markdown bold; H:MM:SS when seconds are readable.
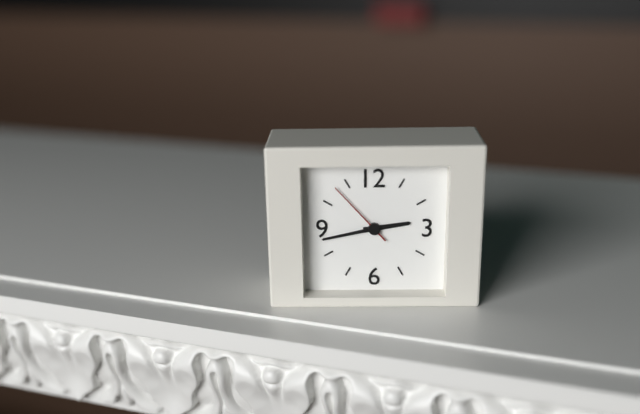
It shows **2:43:53**
